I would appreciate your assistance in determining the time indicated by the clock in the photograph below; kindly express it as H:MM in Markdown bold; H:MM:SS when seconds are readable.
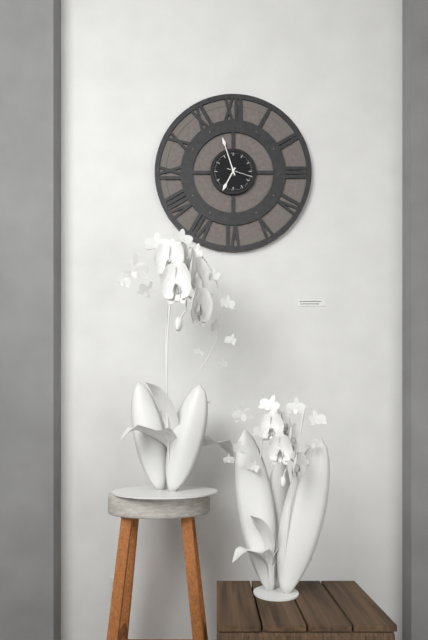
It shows **6:57**
